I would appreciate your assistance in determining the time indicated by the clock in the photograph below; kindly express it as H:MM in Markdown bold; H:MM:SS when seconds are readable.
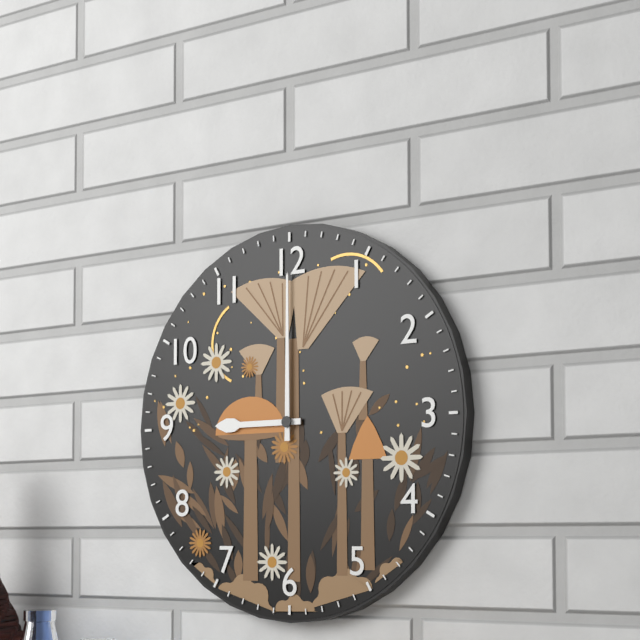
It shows **9:00**
